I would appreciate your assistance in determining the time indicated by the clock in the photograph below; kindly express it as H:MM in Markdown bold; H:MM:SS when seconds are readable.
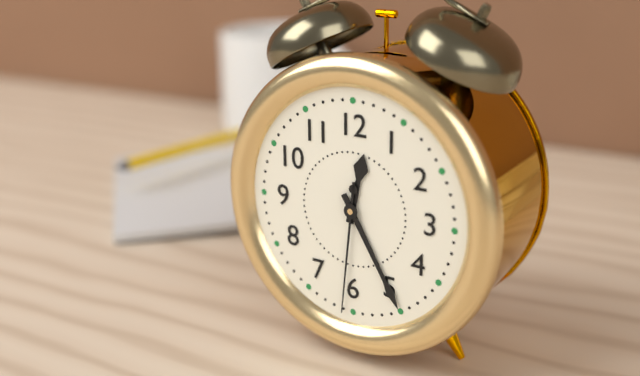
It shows **12:25:31**
